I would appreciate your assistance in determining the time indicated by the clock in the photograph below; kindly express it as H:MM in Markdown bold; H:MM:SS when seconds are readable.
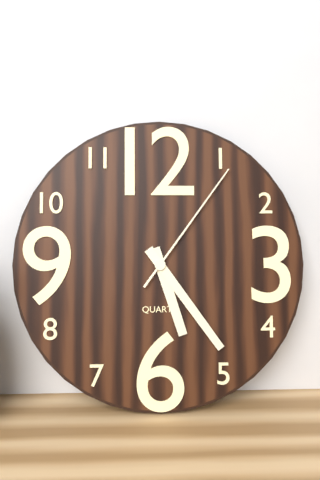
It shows **5:24:06**
